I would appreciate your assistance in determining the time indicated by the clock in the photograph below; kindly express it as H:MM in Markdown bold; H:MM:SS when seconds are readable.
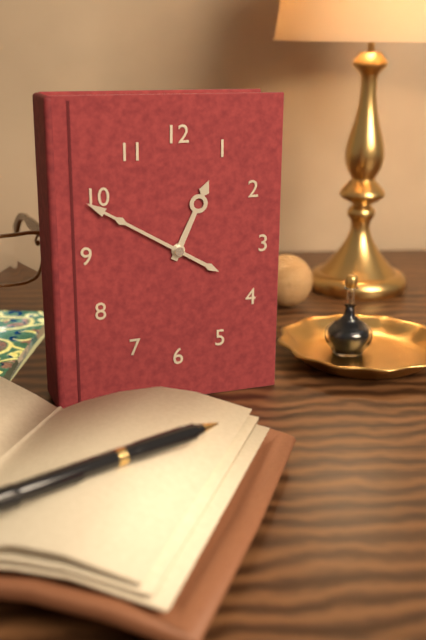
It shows **12:50**
